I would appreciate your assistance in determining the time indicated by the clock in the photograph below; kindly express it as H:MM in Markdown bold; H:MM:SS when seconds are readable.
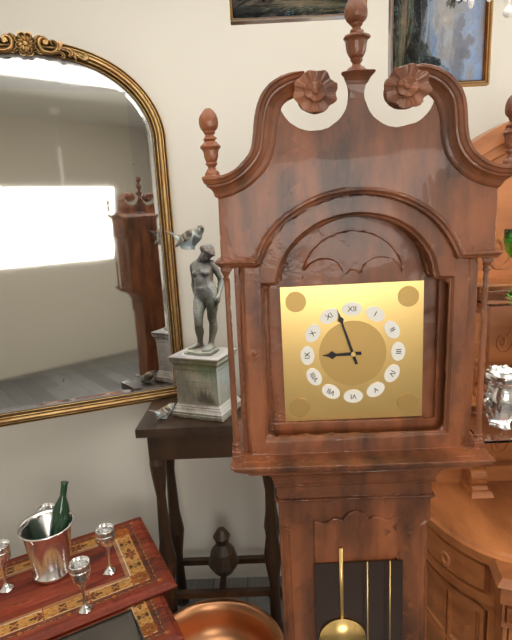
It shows **8:57**
